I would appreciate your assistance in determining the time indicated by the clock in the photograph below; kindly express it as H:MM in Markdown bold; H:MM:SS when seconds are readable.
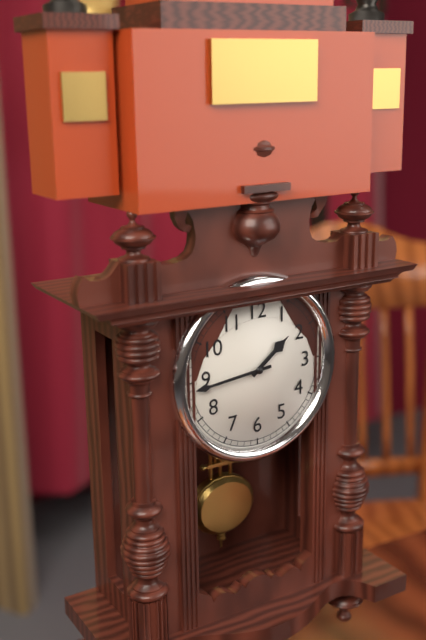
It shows **1:44**
